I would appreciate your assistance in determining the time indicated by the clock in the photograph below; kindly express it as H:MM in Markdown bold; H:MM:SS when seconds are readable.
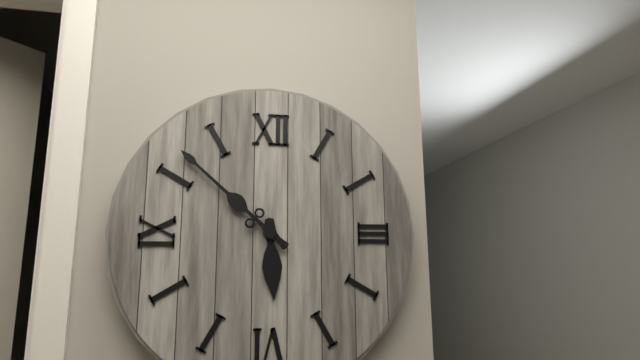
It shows **5:52**
